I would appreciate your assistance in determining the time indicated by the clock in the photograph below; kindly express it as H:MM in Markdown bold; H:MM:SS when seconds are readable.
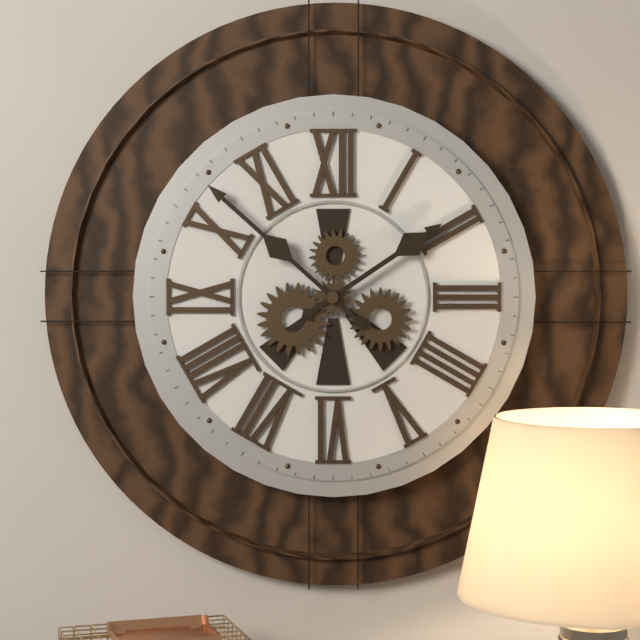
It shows **1:52**
